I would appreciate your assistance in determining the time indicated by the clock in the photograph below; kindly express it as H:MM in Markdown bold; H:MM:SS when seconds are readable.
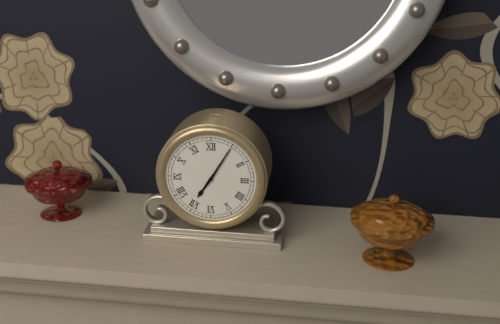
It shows **7:05**
